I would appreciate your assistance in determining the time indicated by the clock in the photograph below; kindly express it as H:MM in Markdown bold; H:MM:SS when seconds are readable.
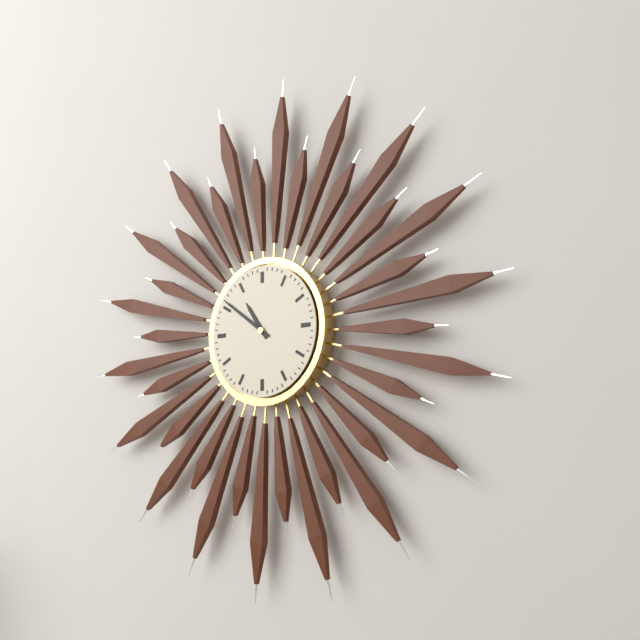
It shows **10:51**
